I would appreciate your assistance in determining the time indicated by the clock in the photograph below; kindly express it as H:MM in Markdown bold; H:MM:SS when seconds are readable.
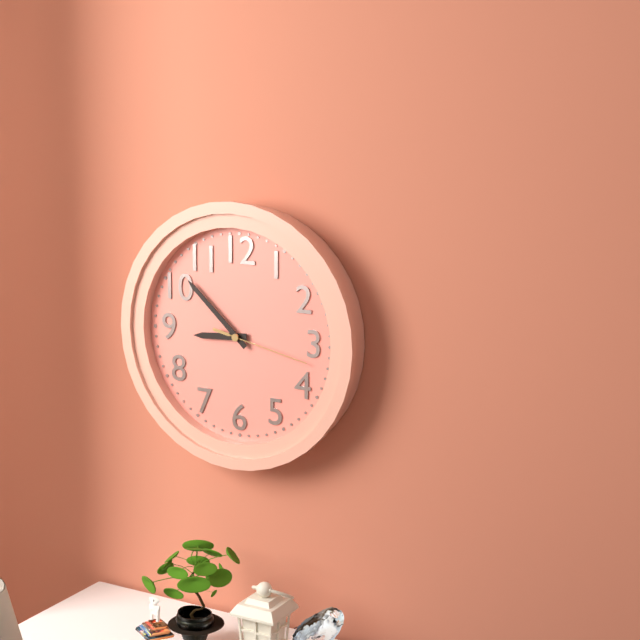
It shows **8:52:17**
